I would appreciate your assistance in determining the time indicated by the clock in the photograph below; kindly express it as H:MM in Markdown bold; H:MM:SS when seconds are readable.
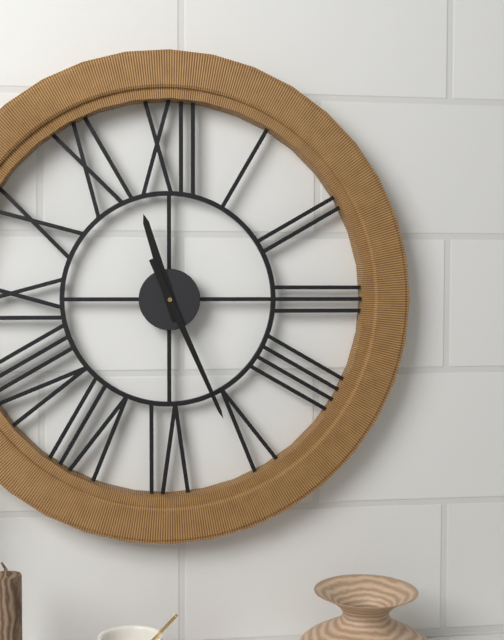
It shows **11:26**
